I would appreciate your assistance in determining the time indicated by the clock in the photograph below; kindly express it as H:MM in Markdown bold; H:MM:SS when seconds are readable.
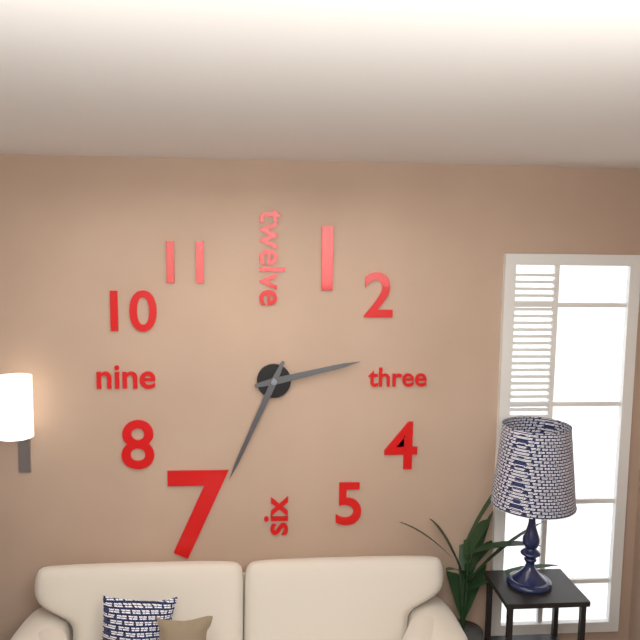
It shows **2:34**
